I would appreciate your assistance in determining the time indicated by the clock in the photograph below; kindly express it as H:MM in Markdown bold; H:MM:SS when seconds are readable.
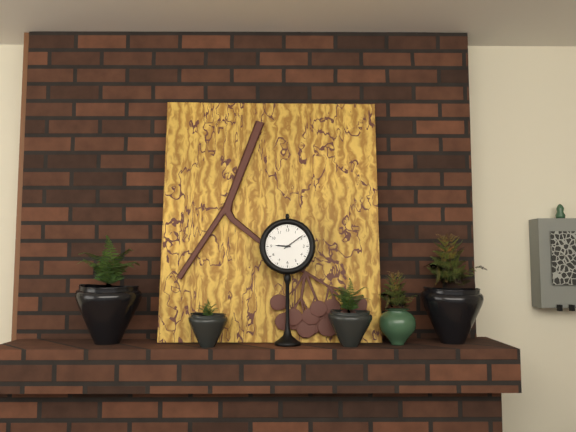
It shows **9:09**
